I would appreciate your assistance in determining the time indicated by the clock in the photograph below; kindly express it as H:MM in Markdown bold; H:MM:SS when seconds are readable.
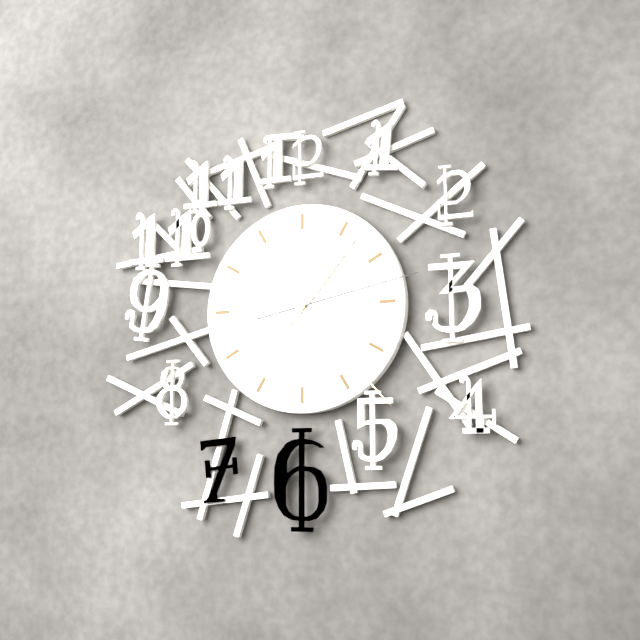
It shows **1:23:13**
